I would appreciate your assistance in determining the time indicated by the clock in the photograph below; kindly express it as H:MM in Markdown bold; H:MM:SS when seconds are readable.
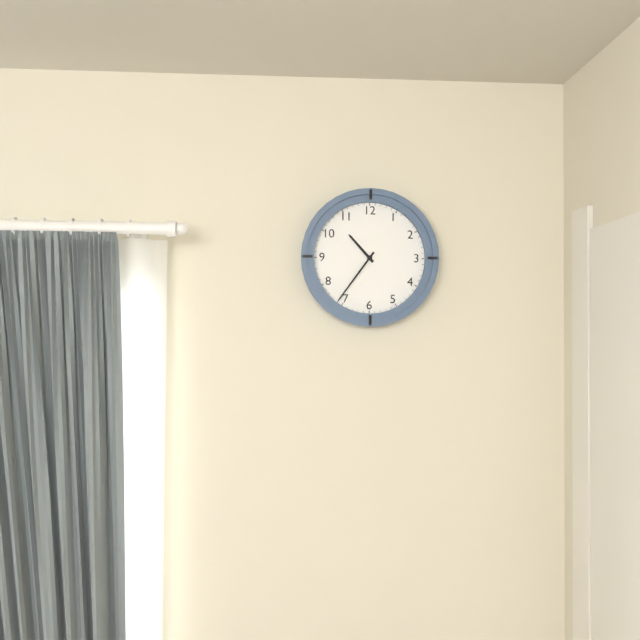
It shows **10:36**
